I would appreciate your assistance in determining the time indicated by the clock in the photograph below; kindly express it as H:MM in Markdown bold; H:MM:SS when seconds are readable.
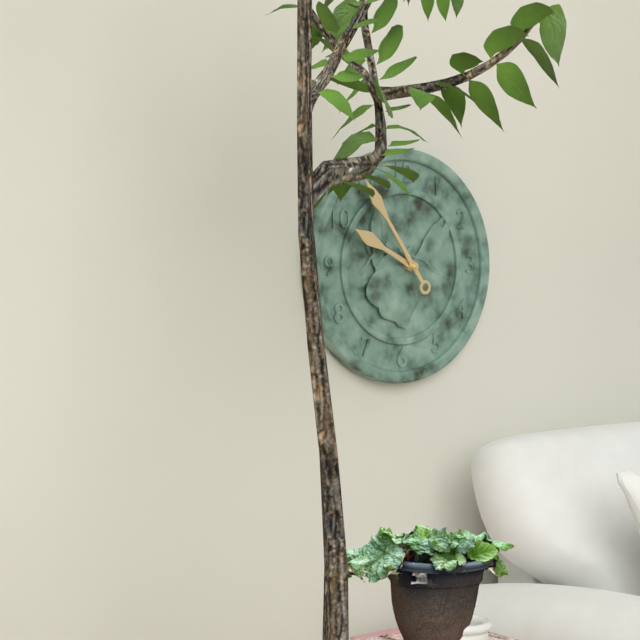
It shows **9:54**
